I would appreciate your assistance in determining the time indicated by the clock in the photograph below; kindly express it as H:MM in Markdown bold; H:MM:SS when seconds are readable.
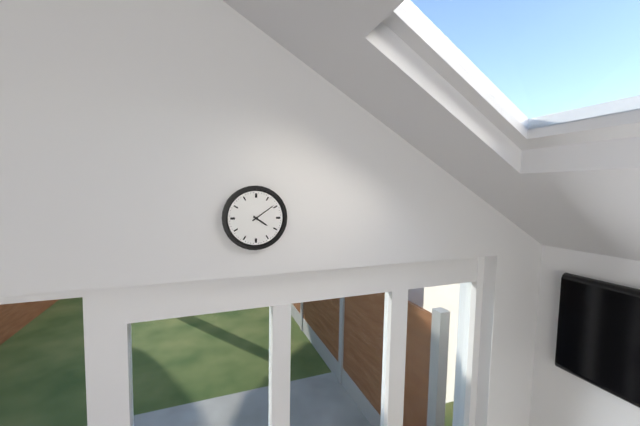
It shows **4:09**
